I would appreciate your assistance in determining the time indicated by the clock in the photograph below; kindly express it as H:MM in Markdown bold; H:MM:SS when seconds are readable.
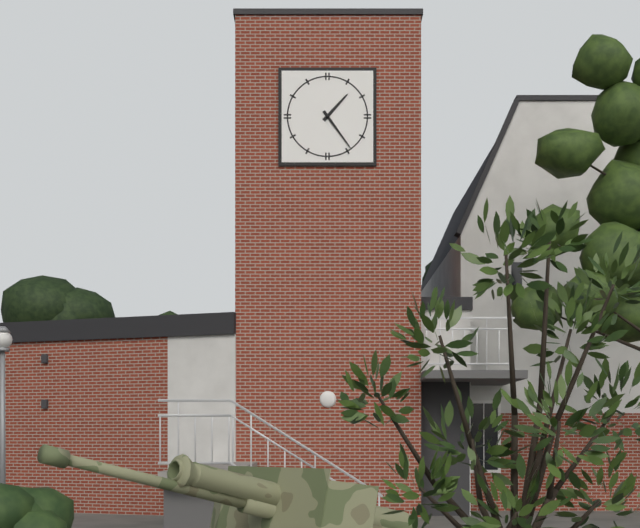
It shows **1:24**
